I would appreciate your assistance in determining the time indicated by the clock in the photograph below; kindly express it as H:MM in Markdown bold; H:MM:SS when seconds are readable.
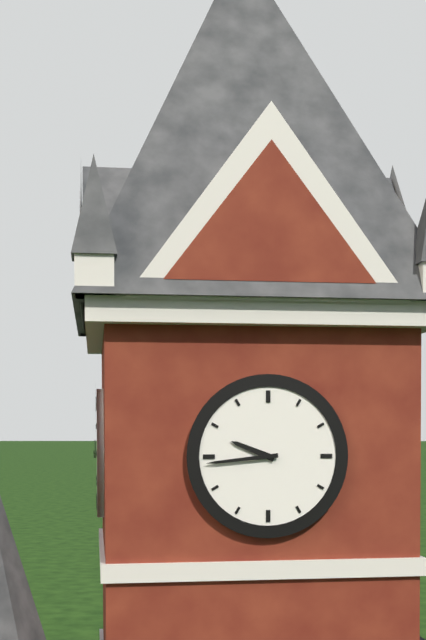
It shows **9:44**
